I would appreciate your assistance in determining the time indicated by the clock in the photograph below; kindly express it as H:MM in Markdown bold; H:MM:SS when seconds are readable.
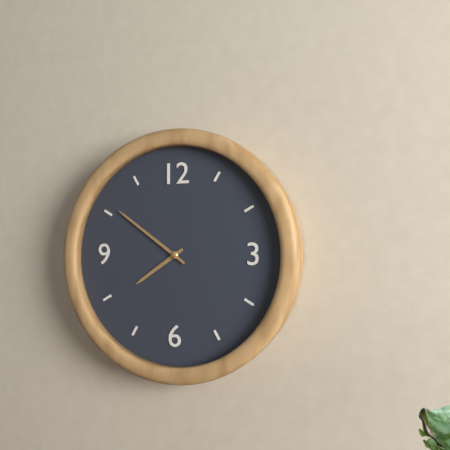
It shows **7:51**
